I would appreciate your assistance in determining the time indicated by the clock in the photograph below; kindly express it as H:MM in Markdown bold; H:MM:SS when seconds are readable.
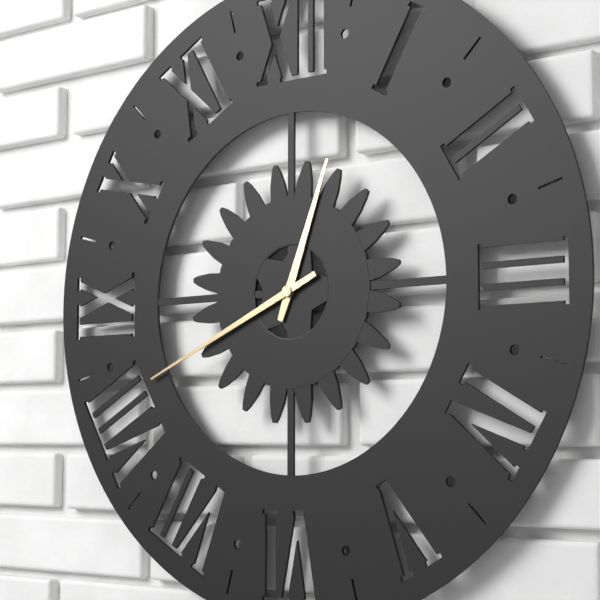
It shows **12:41**
